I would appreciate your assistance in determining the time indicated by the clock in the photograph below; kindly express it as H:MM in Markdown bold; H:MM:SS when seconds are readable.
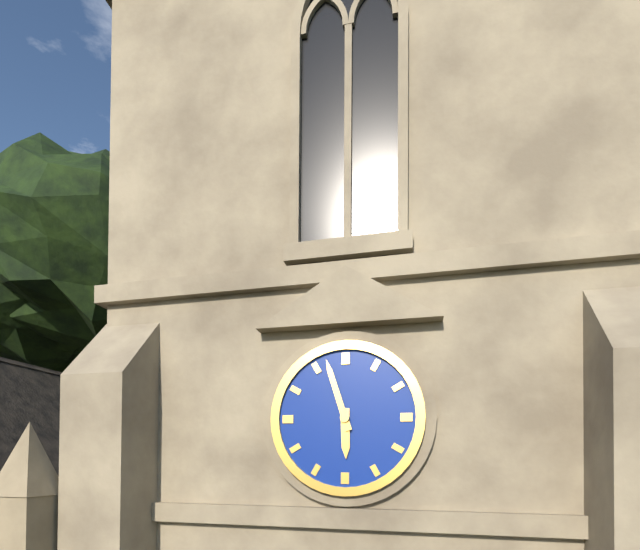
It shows **5:57**
